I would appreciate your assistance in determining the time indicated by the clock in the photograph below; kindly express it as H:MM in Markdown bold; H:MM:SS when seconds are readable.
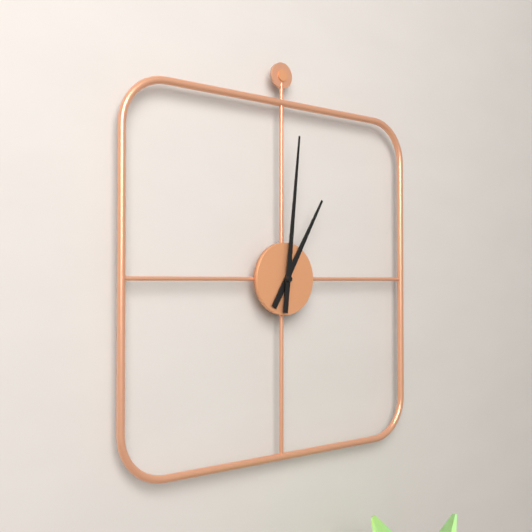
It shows **1:01**
